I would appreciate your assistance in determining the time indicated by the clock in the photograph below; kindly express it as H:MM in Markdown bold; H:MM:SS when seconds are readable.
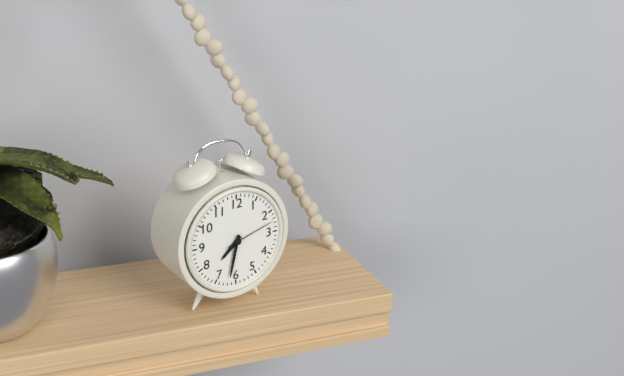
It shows **7:32:12**
